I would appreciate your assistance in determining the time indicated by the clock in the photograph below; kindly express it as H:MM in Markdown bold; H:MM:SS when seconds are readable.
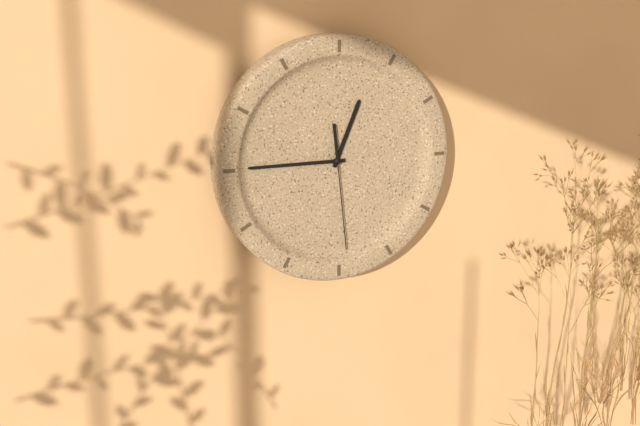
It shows **12:45:29**
